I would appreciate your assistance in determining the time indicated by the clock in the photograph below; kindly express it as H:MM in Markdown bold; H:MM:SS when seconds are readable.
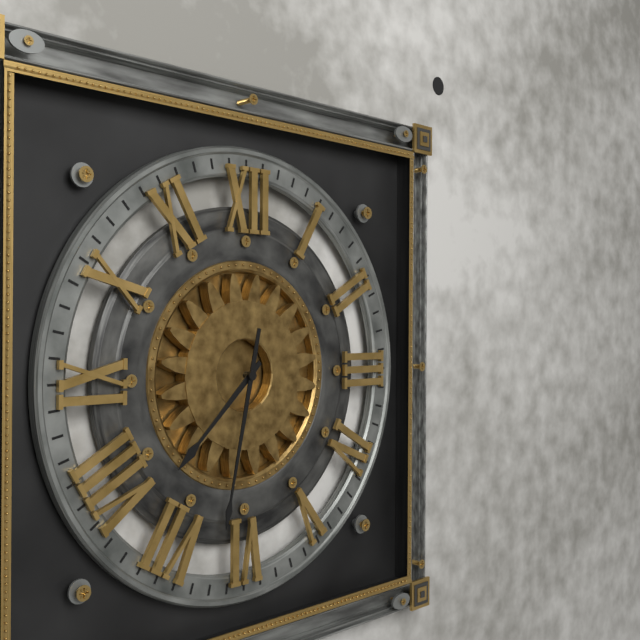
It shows **7:32**
